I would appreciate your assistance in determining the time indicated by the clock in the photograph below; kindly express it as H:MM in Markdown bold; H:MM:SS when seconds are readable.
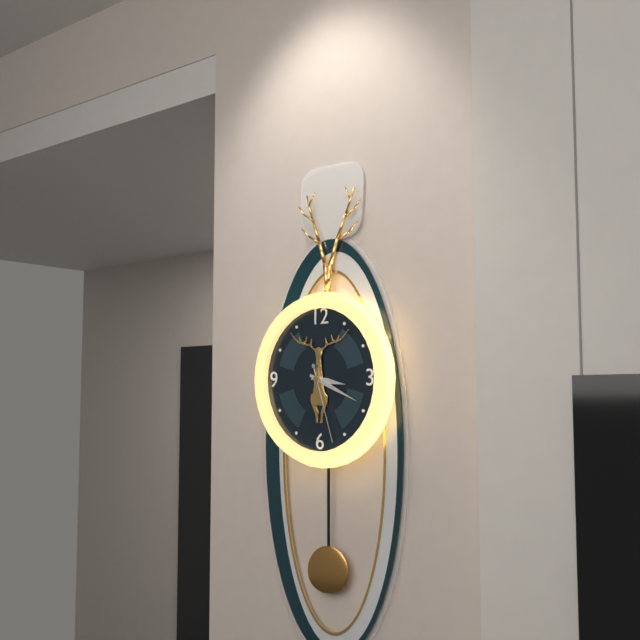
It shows **3:19:27**
